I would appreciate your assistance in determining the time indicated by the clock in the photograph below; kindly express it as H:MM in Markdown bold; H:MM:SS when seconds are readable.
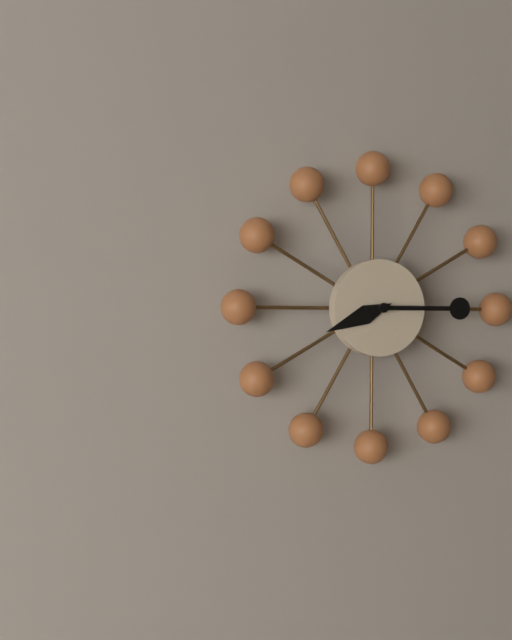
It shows **8:15**
